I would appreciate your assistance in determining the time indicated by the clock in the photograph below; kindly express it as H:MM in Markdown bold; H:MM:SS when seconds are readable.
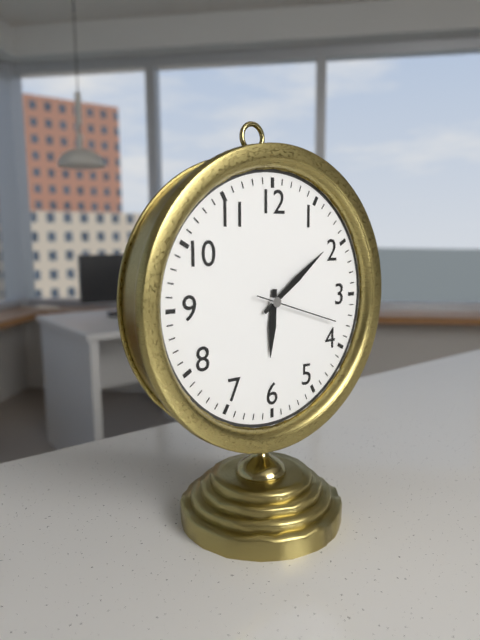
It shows **6:09:18**
